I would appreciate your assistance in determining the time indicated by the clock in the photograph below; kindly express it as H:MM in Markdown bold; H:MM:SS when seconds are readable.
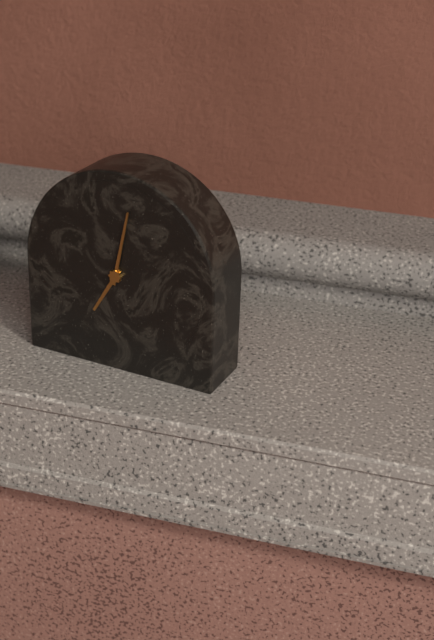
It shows **7:02**
